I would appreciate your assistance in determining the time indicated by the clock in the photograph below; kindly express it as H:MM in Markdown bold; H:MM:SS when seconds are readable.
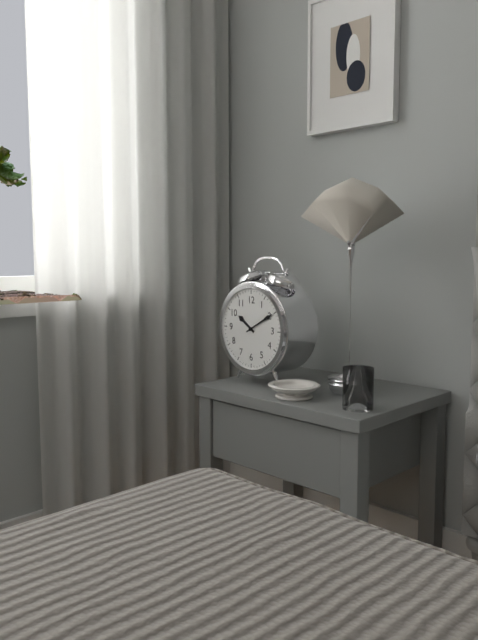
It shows **10:10**
